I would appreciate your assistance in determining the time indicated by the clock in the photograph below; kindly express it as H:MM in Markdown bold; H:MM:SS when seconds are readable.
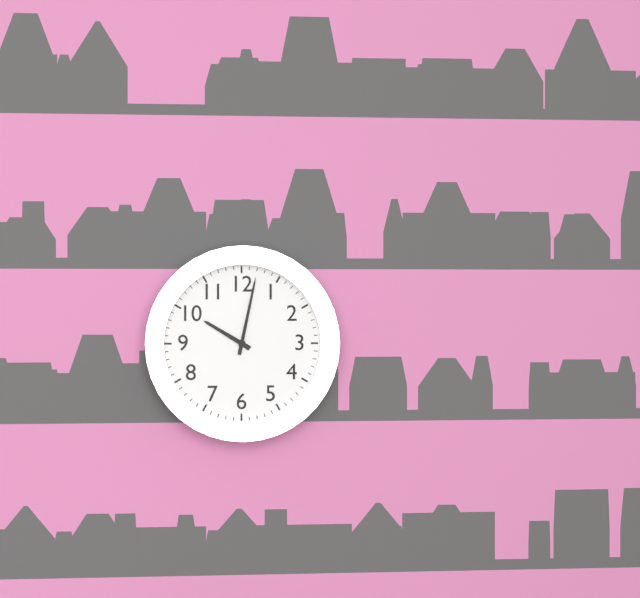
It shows **10:02**
